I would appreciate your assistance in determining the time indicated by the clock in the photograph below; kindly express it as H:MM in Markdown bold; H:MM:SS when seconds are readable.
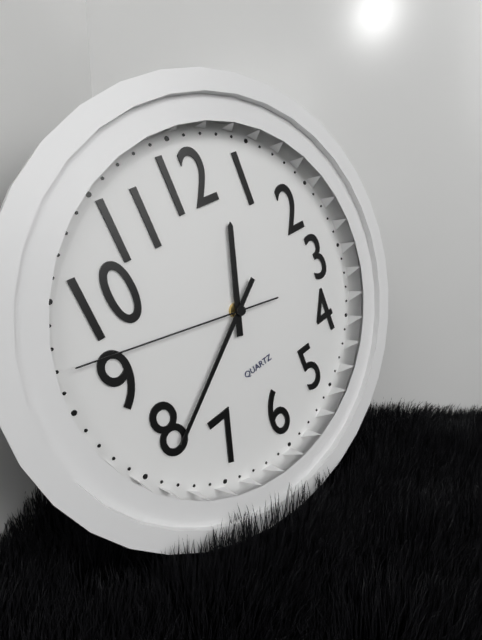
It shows **12:39:47**
